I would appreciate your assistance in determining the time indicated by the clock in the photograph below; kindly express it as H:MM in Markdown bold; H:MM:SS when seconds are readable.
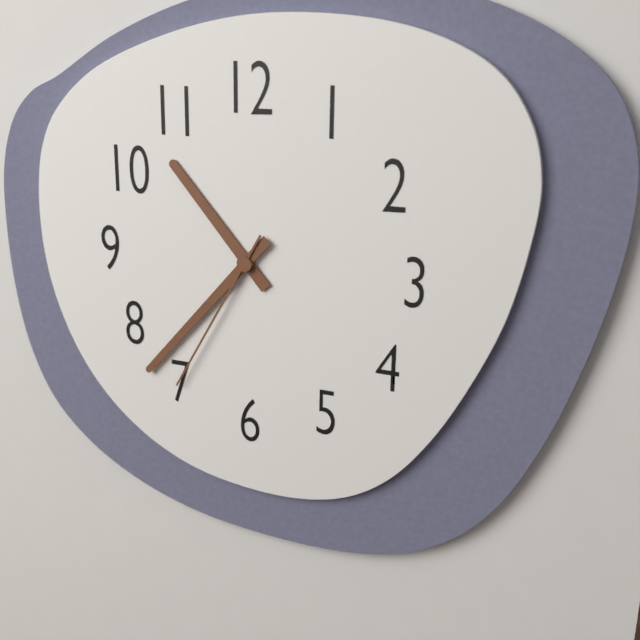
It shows **10:37:35**
